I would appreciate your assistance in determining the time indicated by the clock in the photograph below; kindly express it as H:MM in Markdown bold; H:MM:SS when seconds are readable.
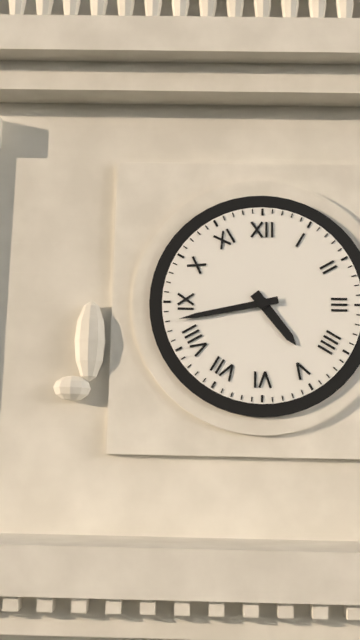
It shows **4:43**
